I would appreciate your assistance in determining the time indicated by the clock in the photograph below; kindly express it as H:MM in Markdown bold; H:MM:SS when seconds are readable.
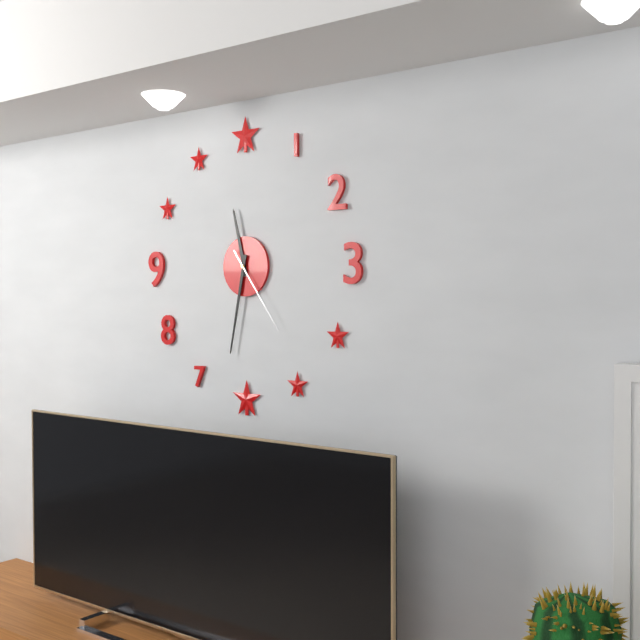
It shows **11:32:24**
